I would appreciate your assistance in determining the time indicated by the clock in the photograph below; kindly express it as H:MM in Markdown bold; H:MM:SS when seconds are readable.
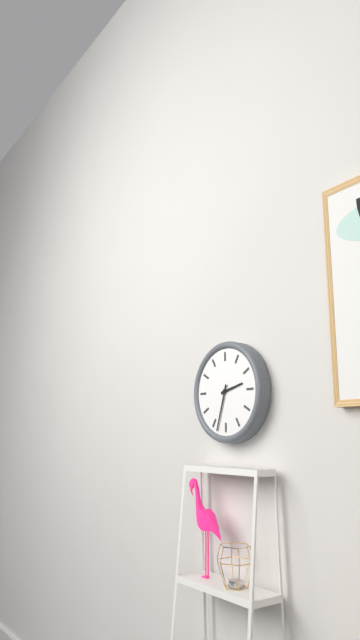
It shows **2:33**
